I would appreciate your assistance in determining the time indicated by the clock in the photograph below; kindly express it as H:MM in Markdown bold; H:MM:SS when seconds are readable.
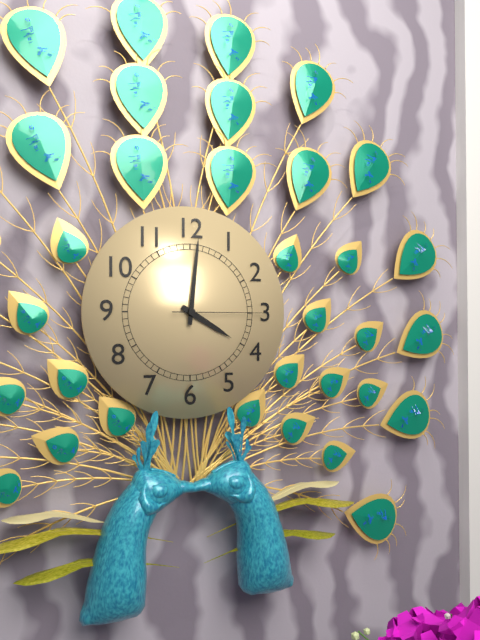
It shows **4:01:15**
